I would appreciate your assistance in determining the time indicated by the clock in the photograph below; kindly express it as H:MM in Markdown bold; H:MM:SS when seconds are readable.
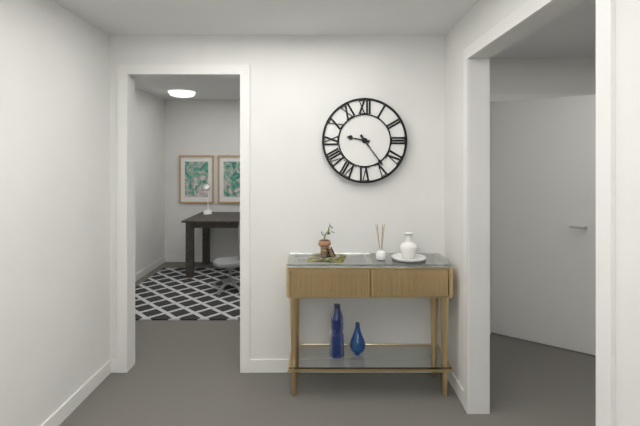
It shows **9:24**
